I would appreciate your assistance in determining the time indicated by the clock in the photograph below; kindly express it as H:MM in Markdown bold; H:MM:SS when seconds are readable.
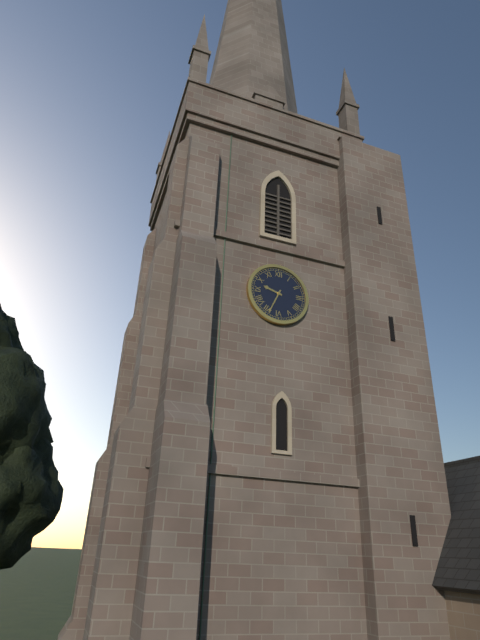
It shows **9:34**
